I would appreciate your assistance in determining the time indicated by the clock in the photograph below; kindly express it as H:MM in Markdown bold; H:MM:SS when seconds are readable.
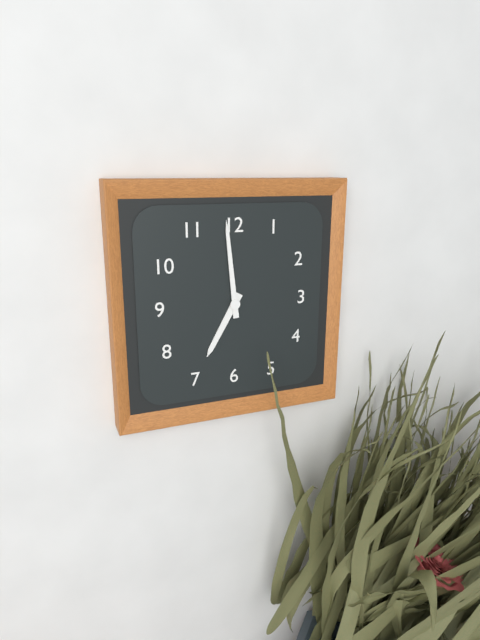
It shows **6:59**
